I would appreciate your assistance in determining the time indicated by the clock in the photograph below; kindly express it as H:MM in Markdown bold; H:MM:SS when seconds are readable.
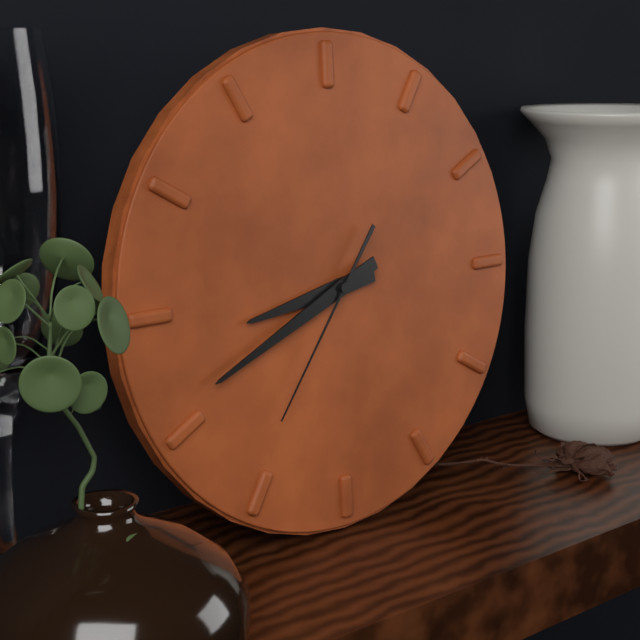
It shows **8:41:36**
